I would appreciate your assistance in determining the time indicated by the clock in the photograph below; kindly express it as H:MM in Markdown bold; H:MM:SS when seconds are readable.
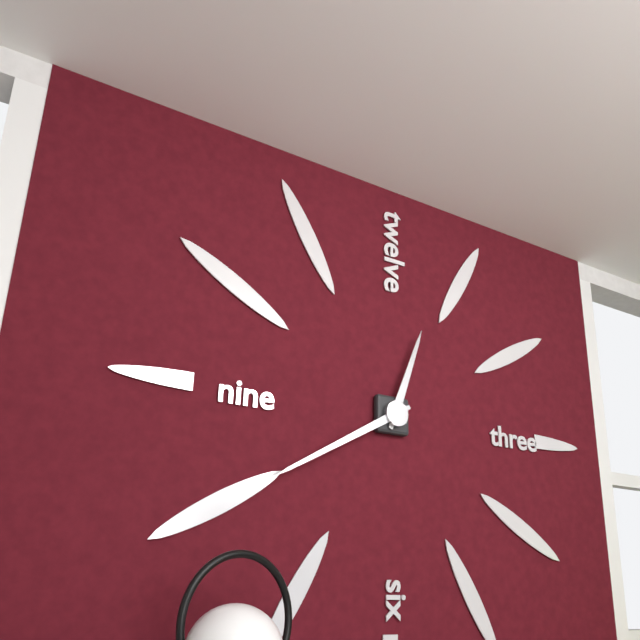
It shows **12:40**
